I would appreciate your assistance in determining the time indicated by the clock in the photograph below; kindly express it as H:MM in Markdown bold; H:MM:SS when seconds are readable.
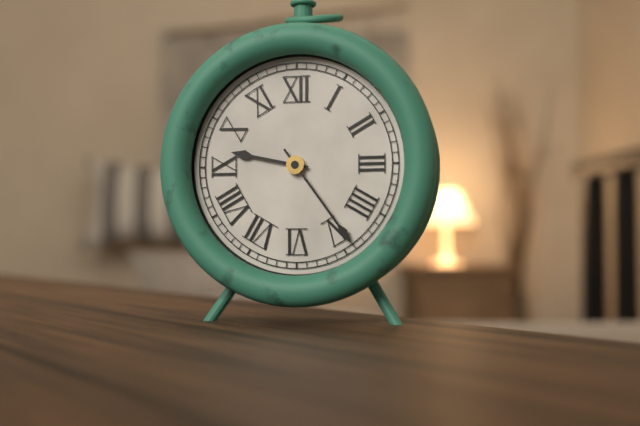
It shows **9:24**
